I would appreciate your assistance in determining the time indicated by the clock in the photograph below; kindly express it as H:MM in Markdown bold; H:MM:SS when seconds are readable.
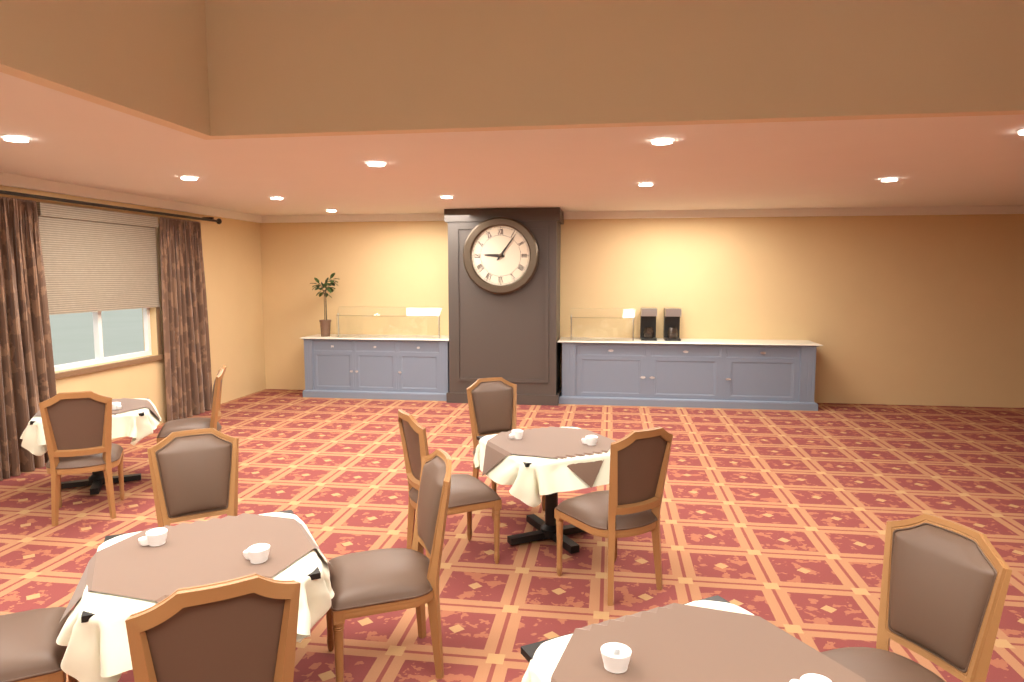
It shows **9:06**
